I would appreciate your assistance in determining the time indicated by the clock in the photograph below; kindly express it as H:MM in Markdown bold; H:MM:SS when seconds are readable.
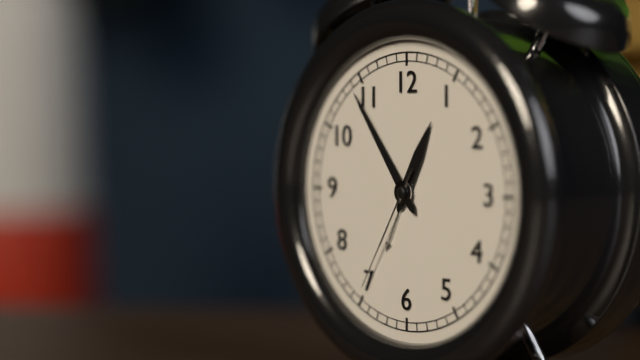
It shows **12:54:35**
